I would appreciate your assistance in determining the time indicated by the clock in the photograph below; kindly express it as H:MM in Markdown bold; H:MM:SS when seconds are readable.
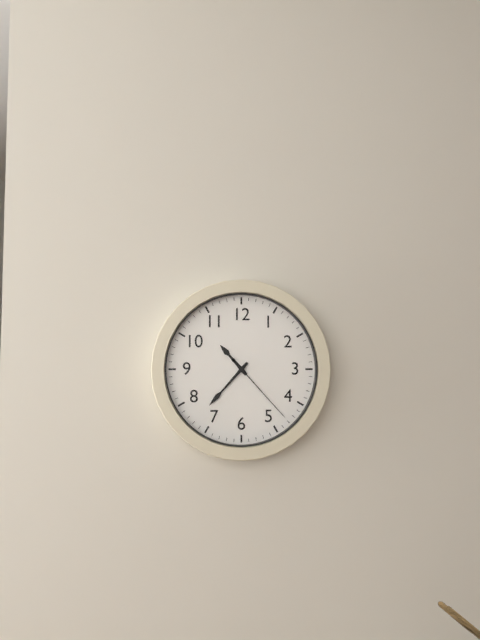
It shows **10:37:23**
